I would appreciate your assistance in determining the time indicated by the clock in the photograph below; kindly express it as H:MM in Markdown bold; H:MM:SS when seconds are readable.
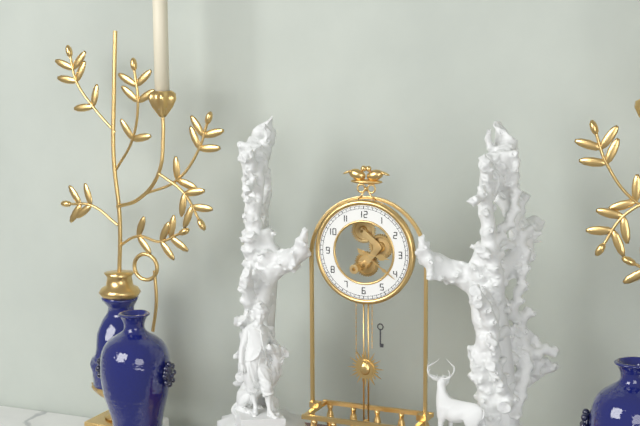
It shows **3:21**
